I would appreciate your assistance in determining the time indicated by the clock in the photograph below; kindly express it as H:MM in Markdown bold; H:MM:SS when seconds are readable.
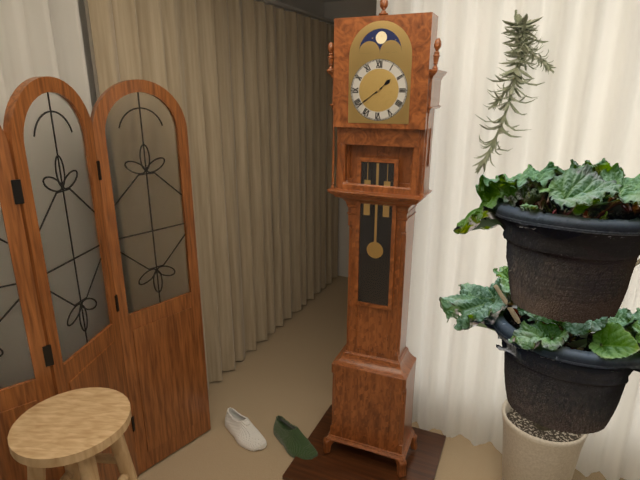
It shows **1:39**
